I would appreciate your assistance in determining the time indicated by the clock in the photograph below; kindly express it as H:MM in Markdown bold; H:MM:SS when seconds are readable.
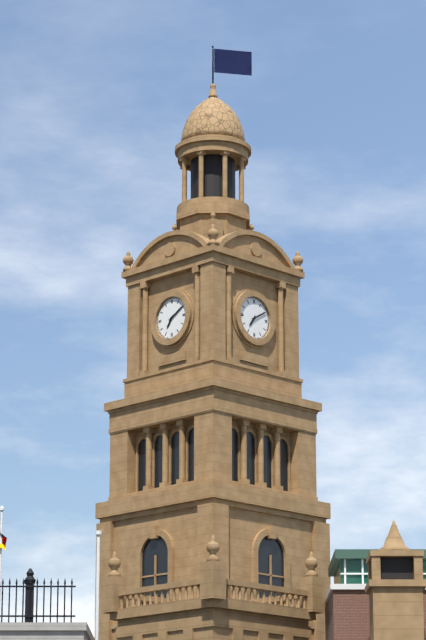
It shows **7:10**
